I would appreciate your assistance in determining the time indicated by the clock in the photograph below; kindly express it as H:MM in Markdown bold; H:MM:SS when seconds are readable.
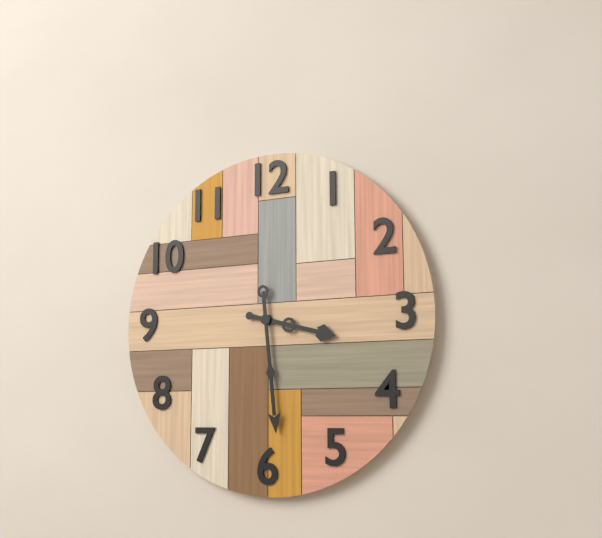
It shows **3:29**
